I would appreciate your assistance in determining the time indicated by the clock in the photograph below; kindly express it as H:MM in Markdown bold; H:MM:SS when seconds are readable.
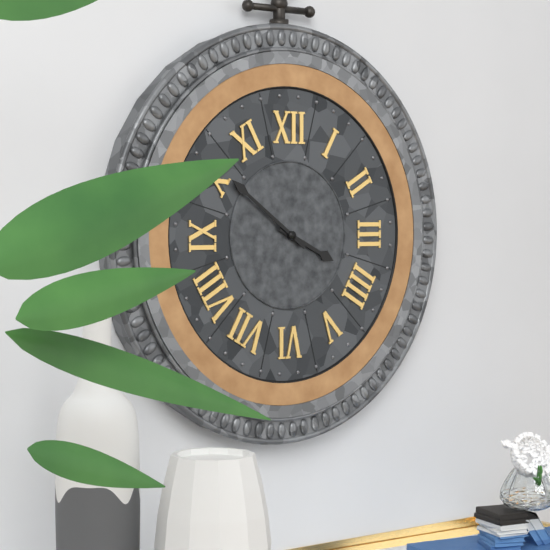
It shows **3:51**
